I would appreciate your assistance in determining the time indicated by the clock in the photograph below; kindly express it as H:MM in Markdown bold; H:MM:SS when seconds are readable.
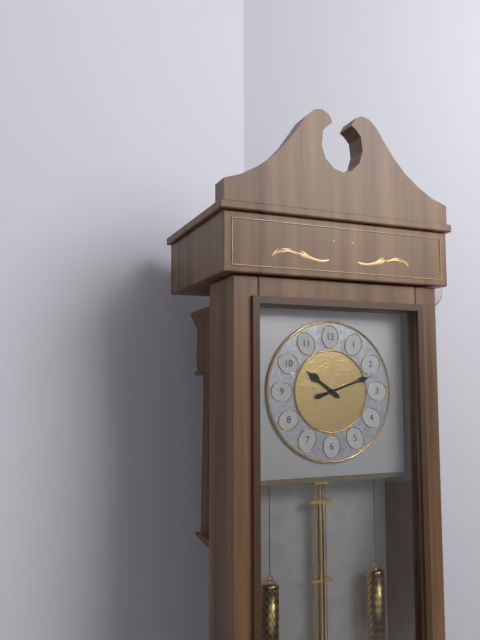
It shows **10:12**
